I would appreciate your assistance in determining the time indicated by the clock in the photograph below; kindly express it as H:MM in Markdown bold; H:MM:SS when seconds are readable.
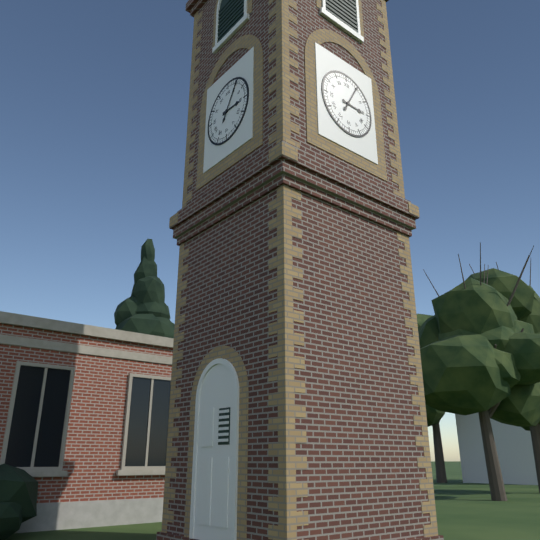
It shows **3:05**
